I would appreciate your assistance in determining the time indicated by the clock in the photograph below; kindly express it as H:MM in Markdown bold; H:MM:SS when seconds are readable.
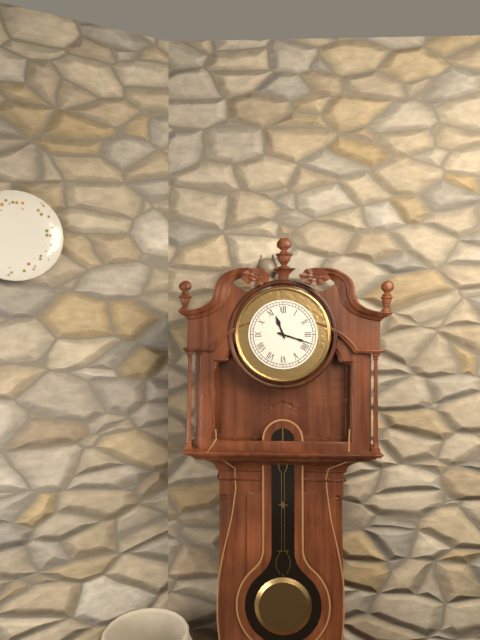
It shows **11:18**
